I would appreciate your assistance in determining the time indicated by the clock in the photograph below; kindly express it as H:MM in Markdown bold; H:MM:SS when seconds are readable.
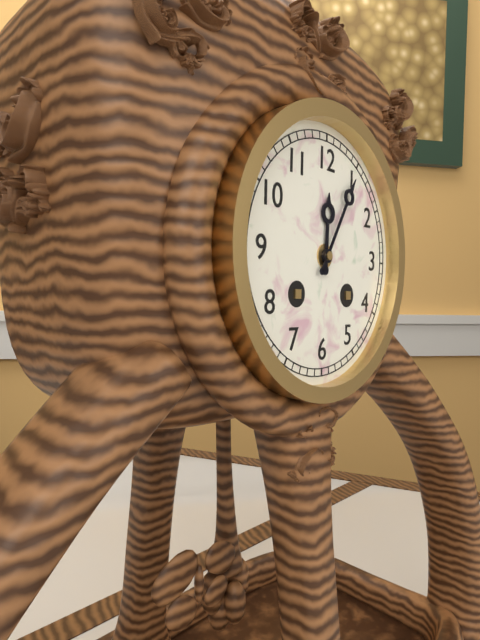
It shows **12:05**
